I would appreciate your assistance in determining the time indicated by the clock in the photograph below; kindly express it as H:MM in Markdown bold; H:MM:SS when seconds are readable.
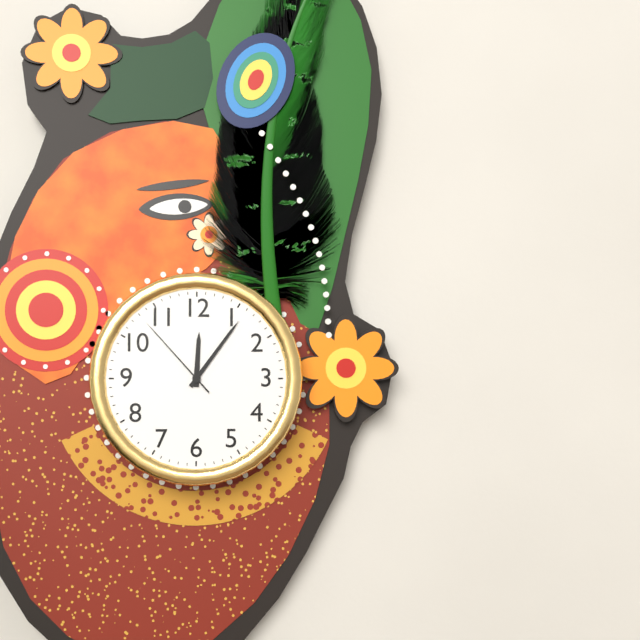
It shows **12:06:53**
